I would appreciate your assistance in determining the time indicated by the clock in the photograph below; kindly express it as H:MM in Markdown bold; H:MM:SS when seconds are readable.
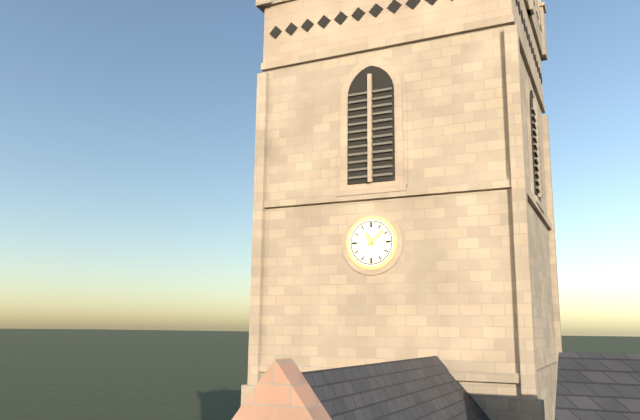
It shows **11:08**
